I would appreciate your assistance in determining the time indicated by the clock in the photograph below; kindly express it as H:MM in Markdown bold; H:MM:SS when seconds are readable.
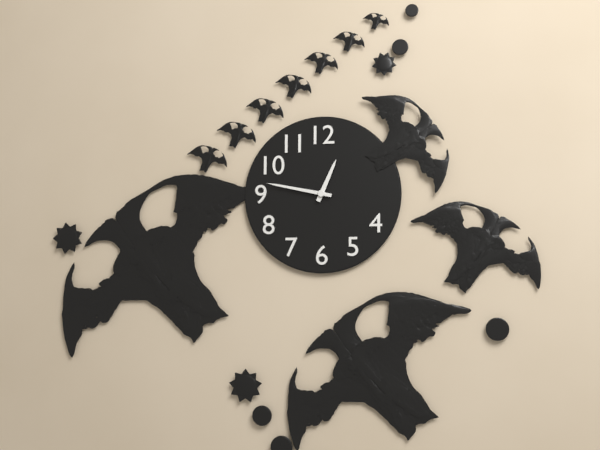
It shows **12:47**
